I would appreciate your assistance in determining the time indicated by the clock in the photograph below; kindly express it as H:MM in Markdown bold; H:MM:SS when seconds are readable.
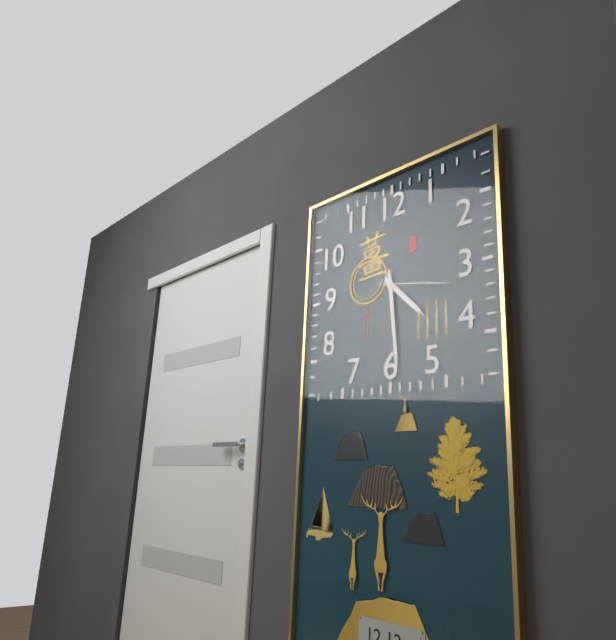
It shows **4:29:17**
